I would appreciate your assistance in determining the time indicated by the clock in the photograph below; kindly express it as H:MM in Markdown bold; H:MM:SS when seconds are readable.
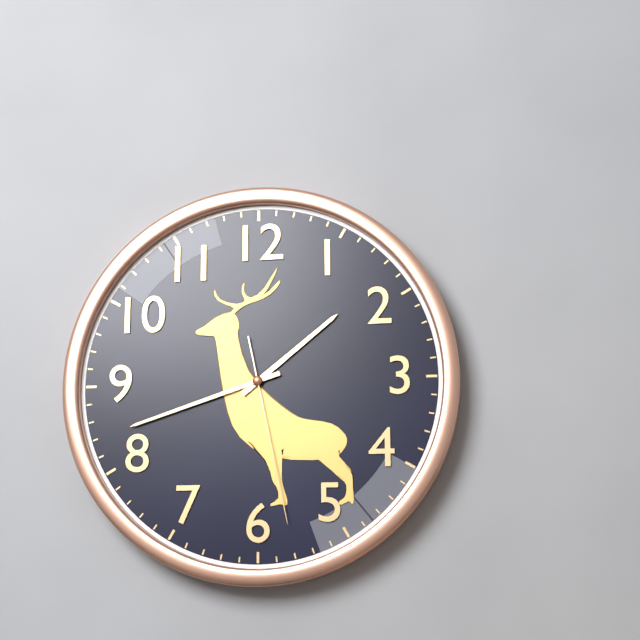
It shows **1:42:28**
